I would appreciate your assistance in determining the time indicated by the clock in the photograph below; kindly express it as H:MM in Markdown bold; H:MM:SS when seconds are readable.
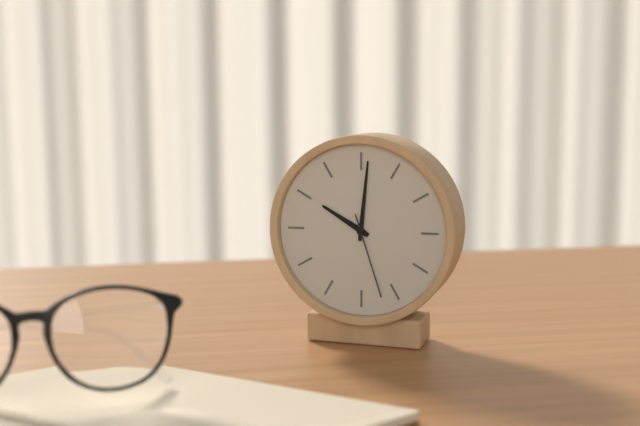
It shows **10:01:27**
